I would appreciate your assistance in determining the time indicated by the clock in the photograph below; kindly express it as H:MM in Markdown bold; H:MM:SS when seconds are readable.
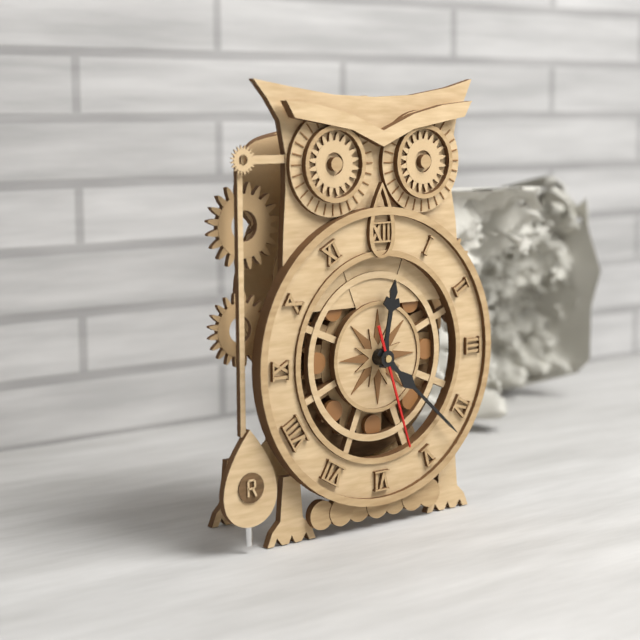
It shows **12:22:27**
